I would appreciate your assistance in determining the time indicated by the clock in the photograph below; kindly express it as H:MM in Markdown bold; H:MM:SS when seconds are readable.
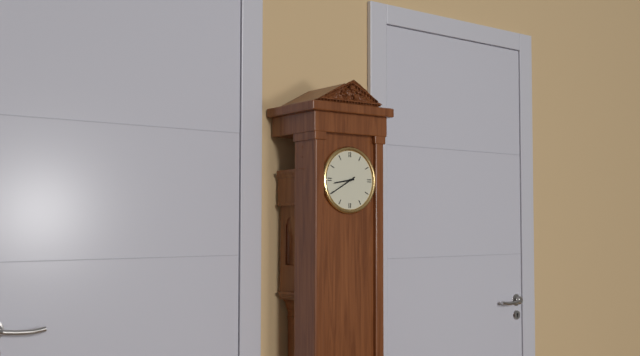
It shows **8:40**
